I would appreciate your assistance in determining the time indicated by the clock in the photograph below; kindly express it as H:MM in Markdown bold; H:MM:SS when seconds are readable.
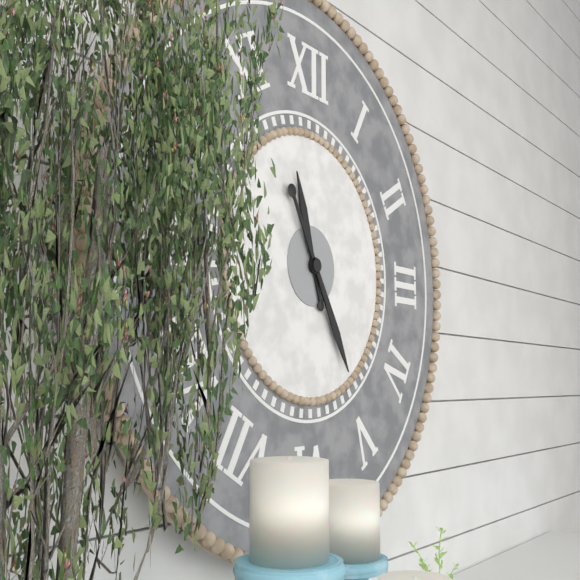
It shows **11:25**
